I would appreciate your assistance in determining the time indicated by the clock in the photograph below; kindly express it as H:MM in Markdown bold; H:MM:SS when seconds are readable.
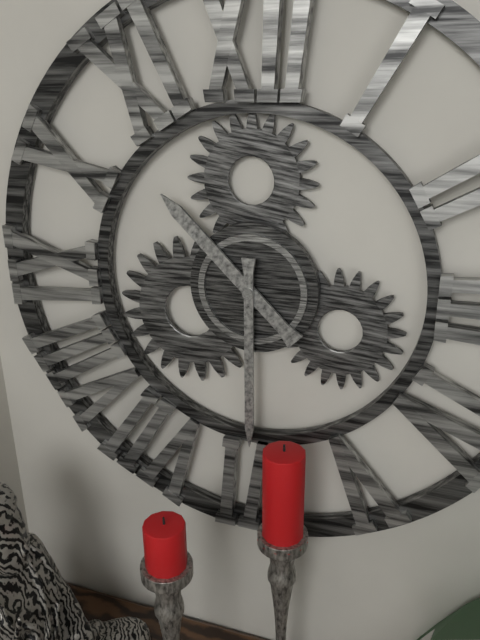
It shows **10:30**
